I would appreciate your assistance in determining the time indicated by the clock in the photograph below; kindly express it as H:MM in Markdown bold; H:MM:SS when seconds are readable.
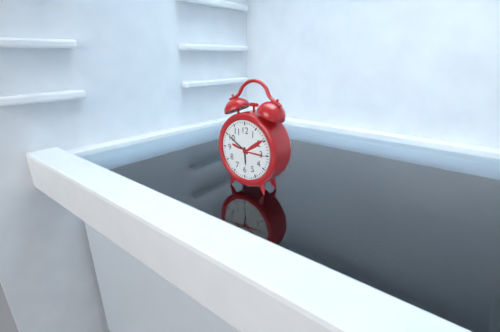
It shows **5:50**
